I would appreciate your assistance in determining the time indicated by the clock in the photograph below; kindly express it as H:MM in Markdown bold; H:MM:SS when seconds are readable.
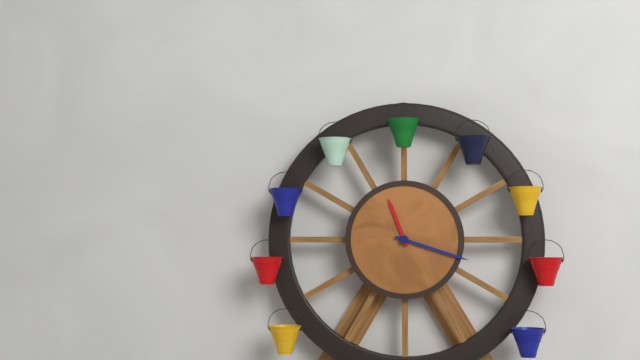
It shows **11:18**
